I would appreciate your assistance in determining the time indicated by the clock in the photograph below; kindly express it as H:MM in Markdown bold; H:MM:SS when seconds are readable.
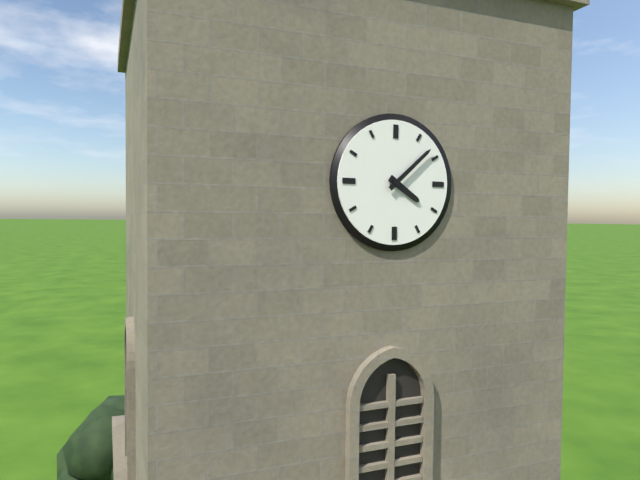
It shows **4:08**
